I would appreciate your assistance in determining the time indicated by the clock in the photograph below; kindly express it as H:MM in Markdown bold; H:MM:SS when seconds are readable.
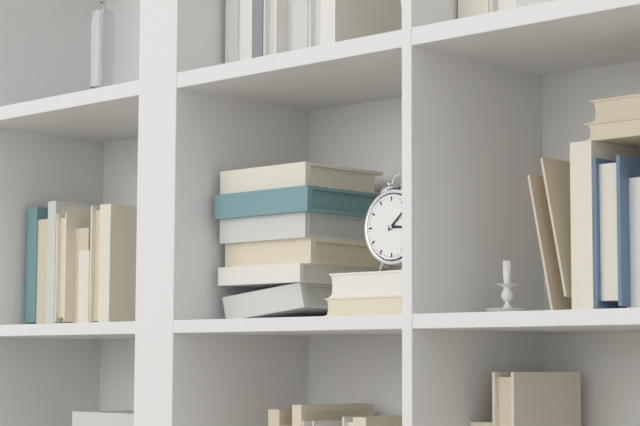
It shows **3:08**
